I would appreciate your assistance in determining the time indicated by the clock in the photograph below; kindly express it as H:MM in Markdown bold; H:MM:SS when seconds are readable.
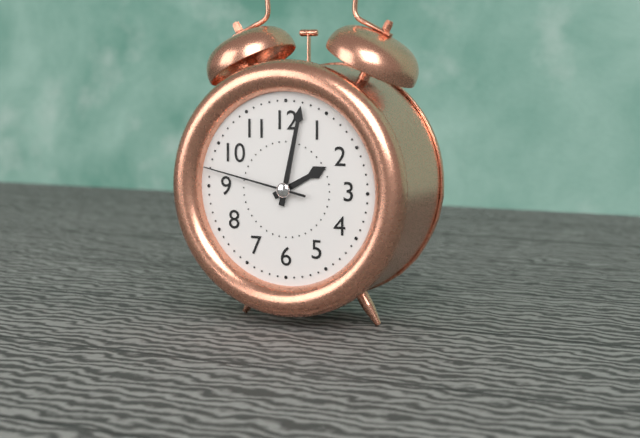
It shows **2:02:47**
